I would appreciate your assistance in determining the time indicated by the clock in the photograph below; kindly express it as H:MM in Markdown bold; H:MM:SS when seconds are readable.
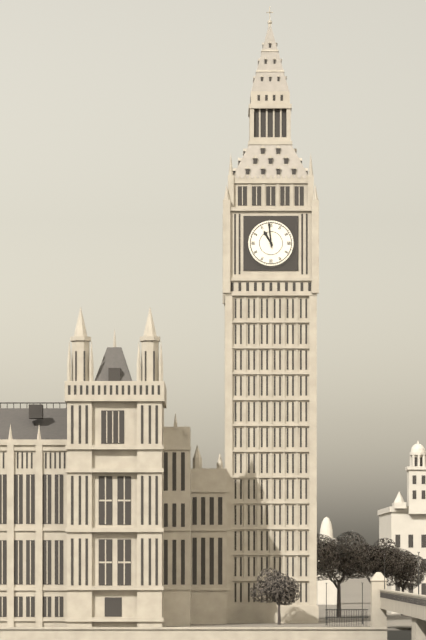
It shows **10:59**
